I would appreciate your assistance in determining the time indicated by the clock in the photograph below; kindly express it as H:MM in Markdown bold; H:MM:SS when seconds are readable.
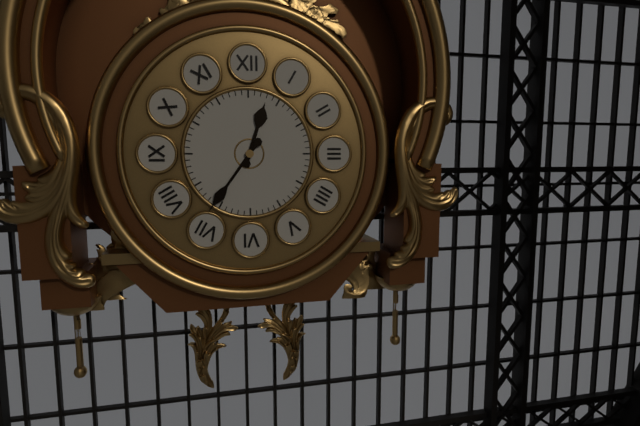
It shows **12:36**
